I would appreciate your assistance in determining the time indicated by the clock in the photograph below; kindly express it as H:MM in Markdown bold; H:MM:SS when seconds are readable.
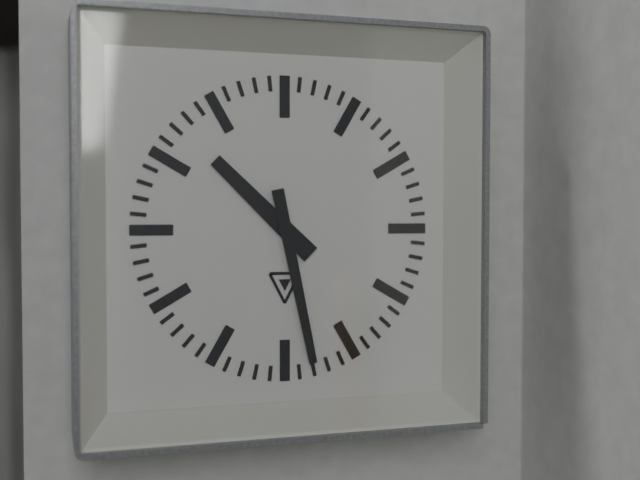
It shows **10:28**
